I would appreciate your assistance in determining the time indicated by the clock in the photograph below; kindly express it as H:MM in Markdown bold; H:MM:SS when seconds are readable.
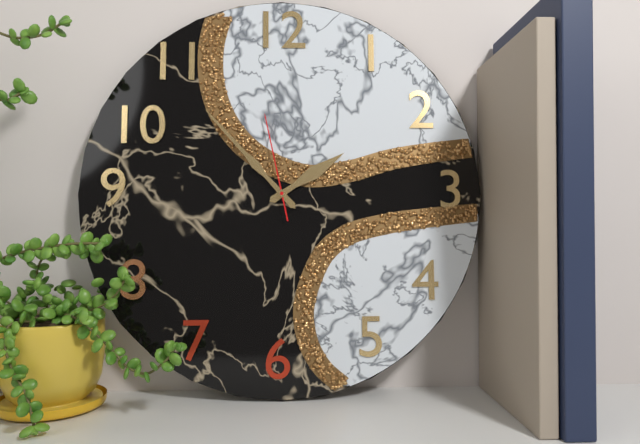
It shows **1:53:58**
